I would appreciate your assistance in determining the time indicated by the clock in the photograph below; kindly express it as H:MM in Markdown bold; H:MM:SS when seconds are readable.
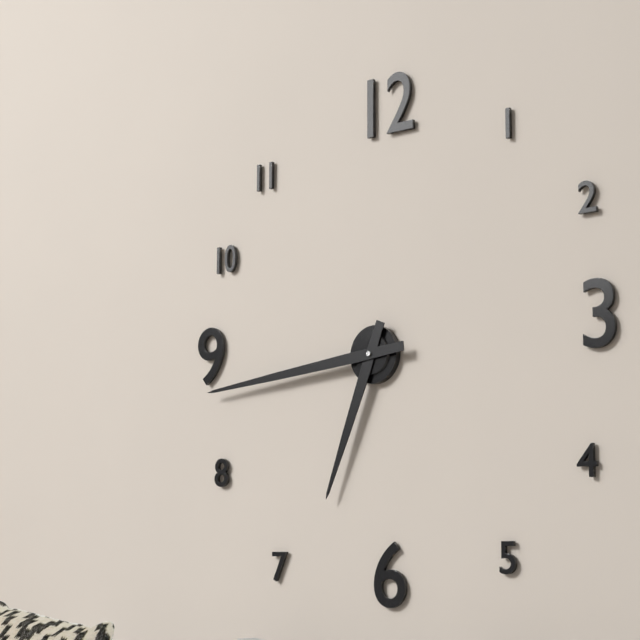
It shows **6:44**
